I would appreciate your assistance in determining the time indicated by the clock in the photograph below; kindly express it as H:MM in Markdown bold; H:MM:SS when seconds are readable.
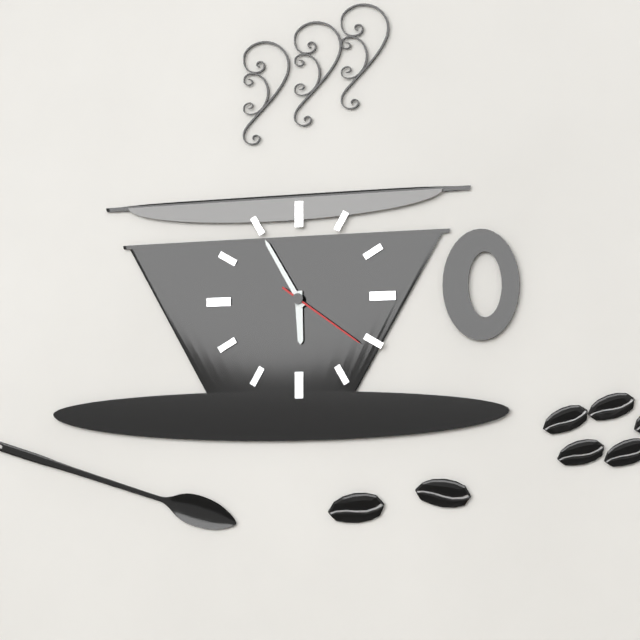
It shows **5:55:21**
